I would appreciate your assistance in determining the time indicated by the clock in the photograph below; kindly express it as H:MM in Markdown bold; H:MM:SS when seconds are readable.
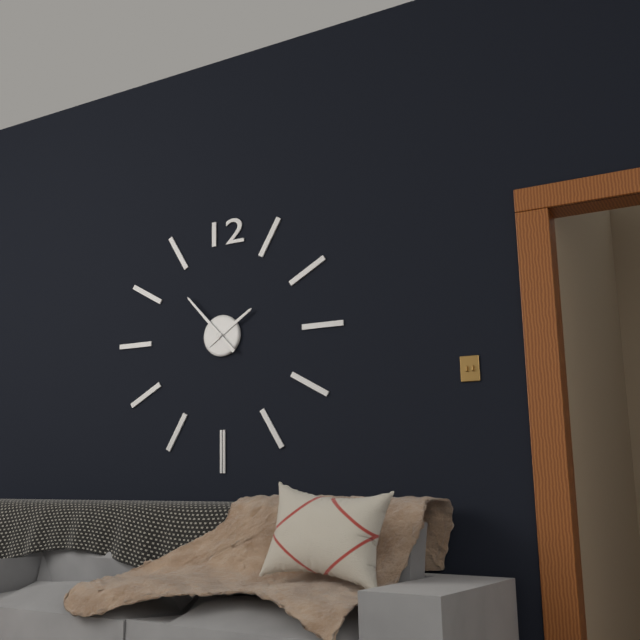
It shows **1:53**
